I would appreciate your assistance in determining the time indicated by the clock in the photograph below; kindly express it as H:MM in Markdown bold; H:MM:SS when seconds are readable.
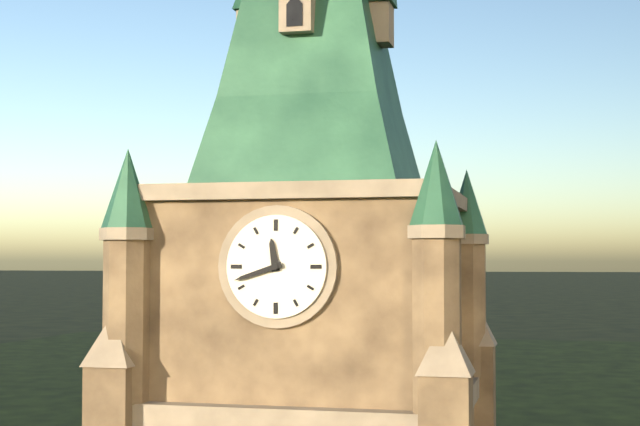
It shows **11:42**
